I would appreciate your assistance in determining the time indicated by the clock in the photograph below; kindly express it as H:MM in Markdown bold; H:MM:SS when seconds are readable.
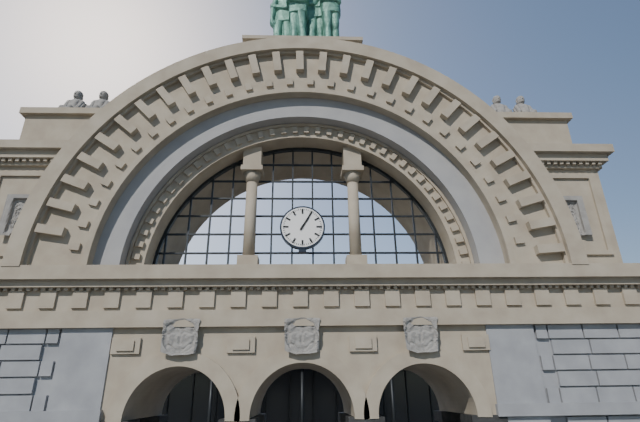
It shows **1:05**
